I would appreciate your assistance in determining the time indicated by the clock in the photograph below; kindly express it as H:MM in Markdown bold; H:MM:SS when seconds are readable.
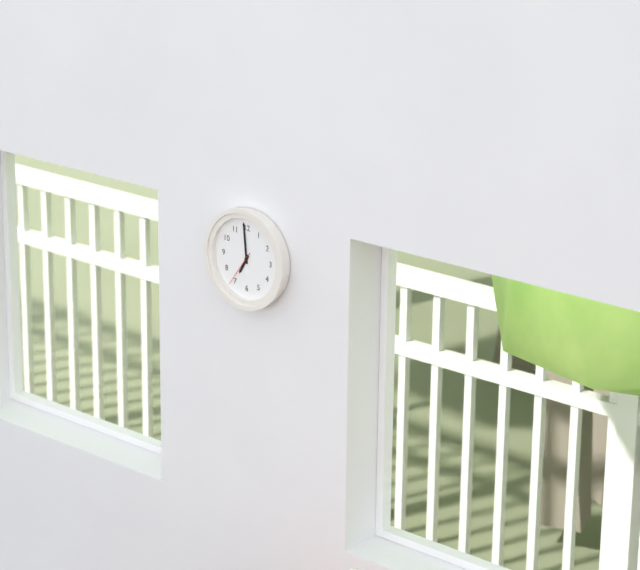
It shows **6:59**
